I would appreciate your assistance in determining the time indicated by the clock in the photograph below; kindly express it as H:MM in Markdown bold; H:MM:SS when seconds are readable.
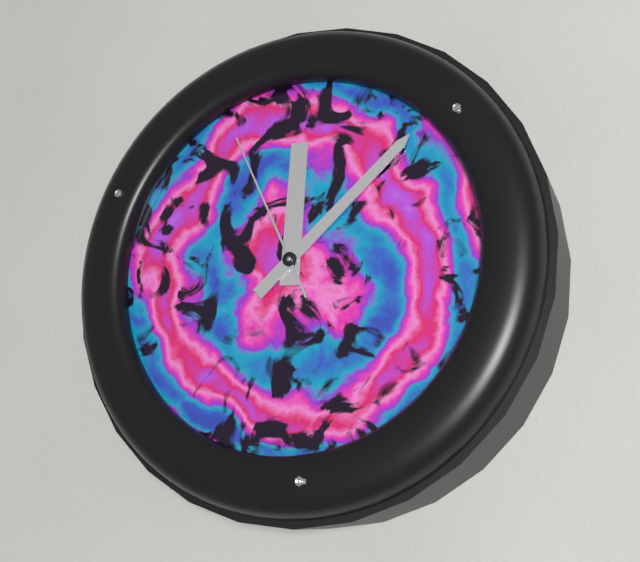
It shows **12:08:56**
